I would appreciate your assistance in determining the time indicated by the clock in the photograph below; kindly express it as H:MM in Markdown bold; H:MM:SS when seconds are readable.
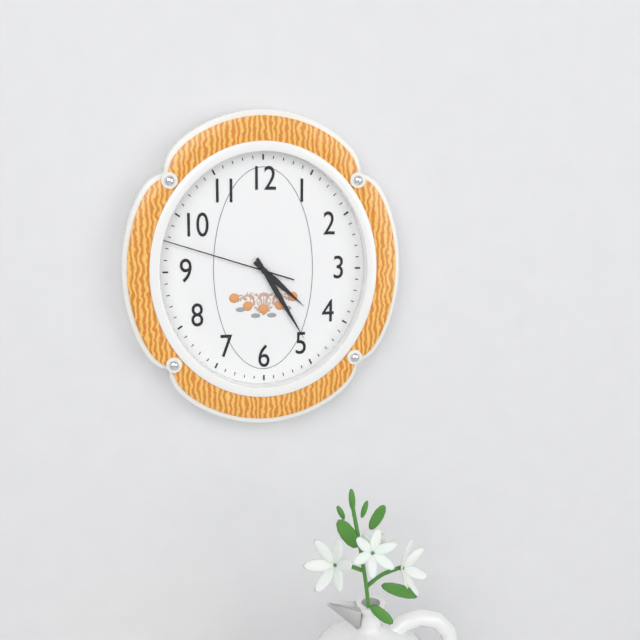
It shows **4:25:48**
